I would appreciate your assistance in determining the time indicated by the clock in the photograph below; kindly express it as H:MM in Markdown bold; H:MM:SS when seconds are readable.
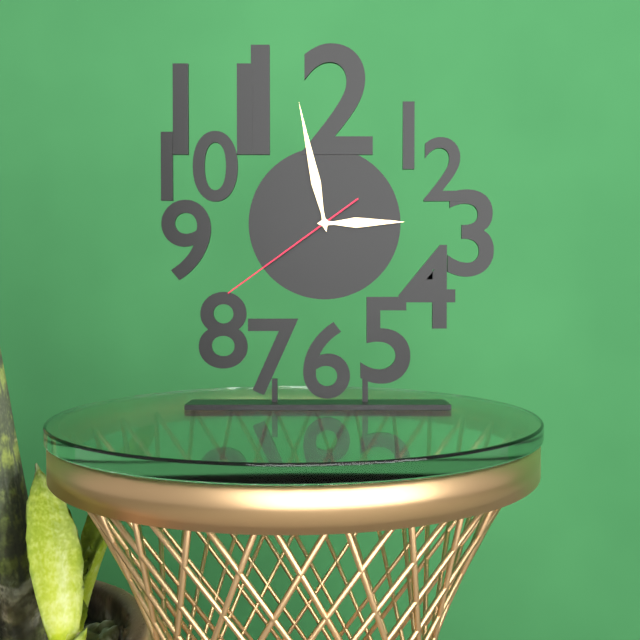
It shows **2:58:39**
